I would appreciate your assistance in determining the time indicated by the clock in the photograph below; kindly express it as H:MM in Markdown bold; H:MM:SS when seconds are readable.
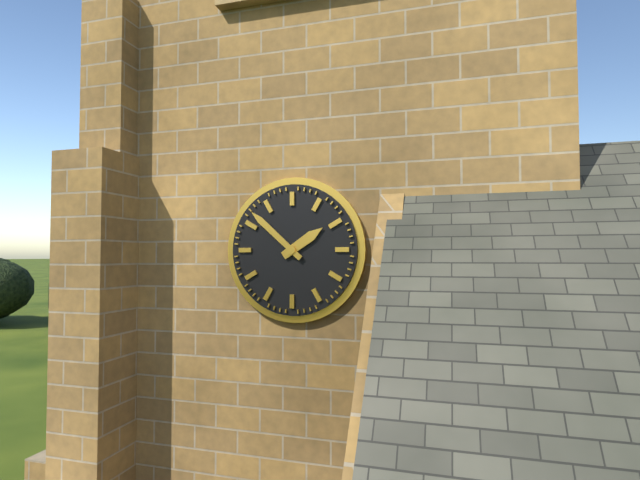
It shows **1:52**
